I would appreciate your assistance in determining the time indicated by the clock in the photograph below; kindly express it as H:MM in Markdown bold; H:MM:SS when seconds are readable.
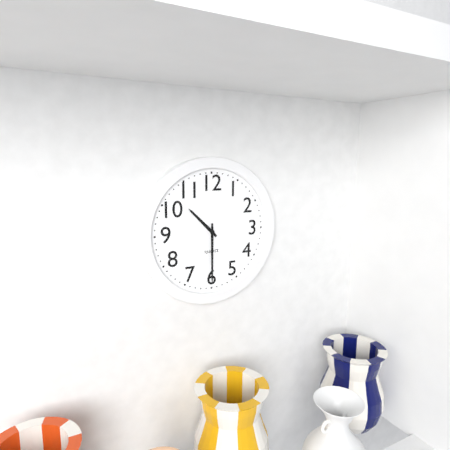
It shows **10:30**
